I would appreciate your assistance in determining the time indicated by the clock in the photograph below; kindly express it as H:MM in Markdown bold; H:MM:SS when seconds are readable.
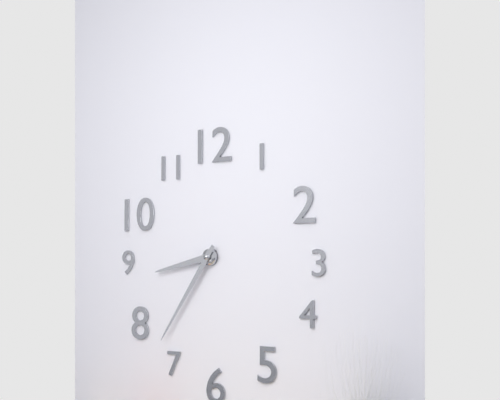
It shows **8:36**
